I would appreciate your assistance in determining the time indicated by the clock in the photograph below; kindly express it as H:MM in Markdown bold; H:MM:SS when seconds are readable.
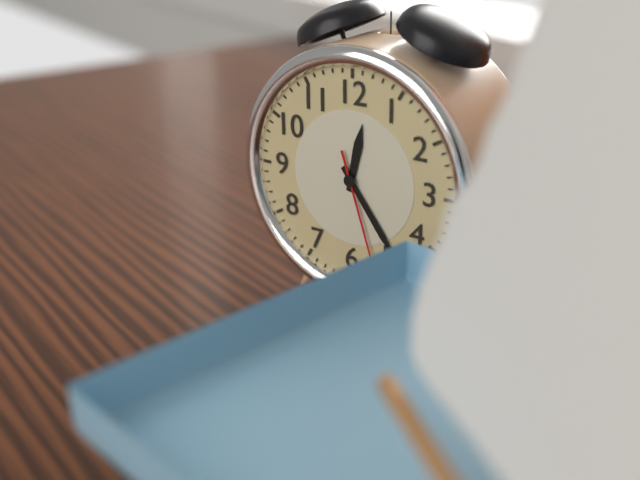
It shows **12:24:27**
